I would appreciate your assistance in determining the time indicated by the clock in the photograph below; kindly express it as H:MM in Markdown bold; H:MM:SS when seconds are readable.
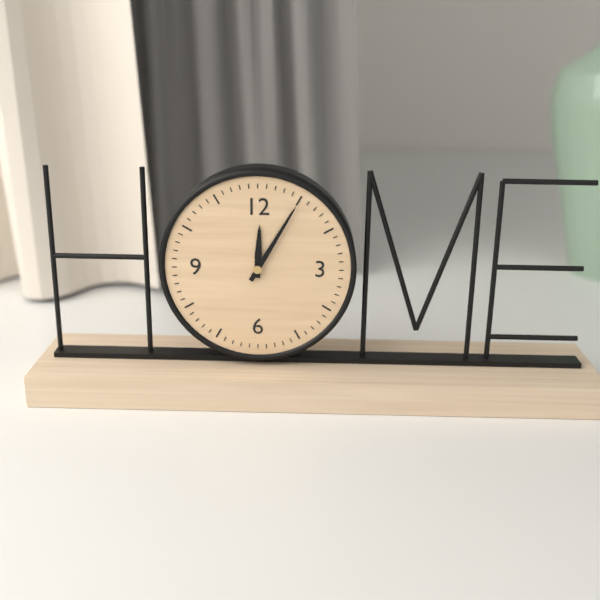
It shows **12:05**
